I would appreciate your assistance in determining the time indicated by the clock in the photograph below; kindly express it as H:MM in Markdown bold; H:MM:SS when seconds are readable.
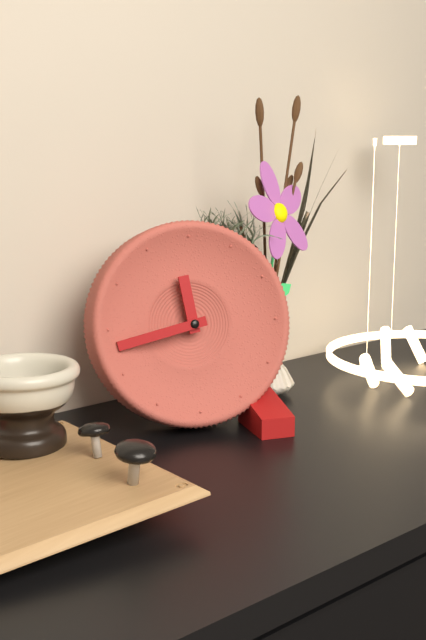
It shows **11:43**
